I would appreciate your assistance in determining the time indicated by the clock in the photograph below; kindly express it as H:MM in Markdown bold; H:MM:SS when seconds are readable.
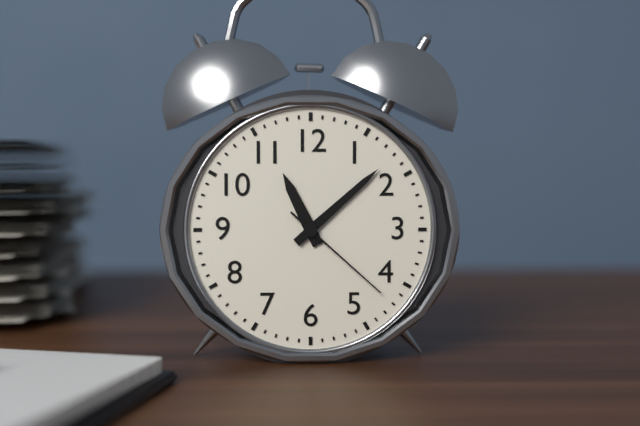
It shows **11:08:22**
